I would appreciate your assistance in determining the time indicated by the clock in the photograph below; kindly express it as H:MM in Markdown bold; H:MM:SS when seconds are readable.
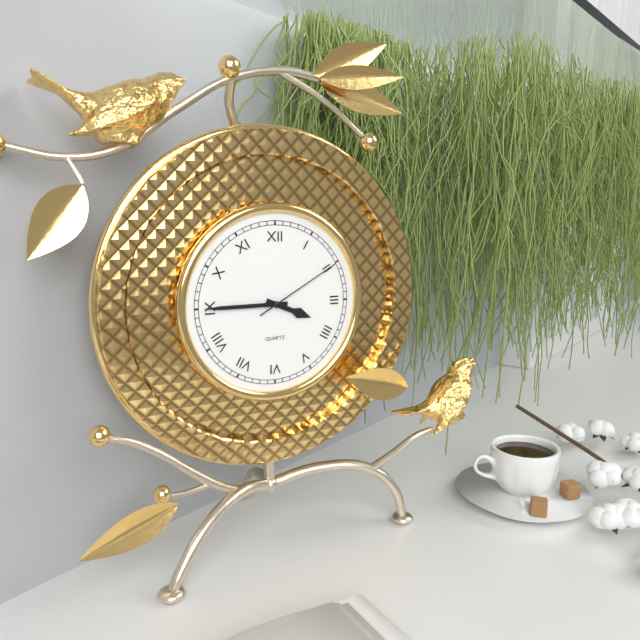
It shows **3:45:10**
